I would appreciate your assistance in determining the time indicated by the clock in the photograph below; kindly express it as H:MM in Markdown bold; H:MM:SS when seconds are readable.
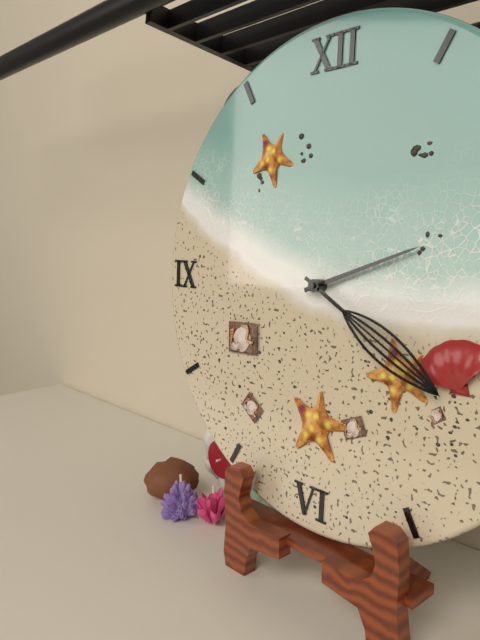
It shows **2:20**
